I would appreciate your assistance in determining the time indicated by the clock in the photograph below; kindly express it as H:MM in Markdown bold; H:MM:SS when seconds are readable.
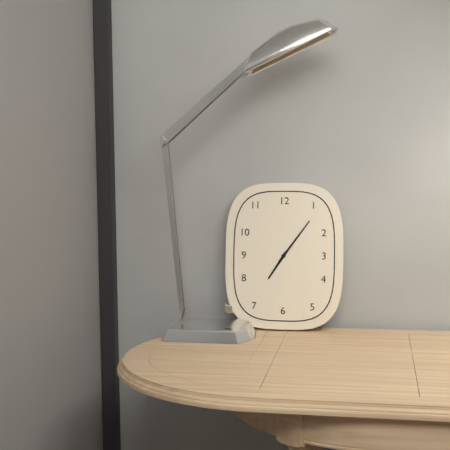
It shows **7:06**
